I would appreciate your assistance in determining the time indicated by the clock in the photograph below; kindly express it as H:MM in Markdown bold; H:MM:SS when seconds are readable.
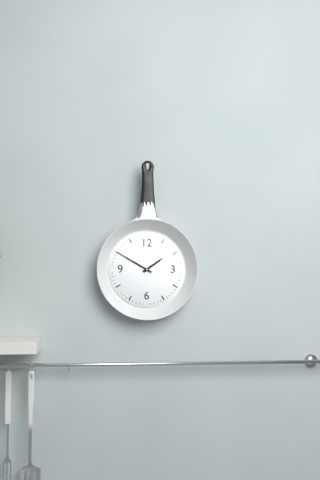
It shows **1:50**
